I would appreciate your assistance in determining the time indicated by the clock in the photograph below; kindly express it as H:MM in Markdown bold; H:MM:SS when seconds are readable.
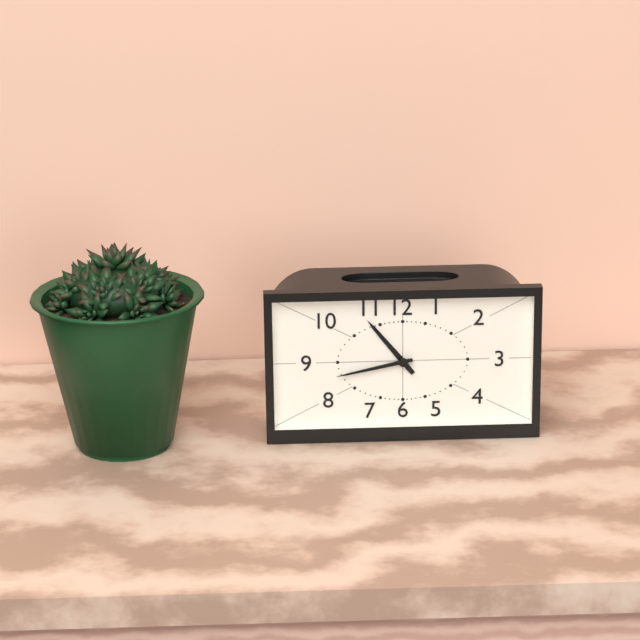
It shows **10:43**
